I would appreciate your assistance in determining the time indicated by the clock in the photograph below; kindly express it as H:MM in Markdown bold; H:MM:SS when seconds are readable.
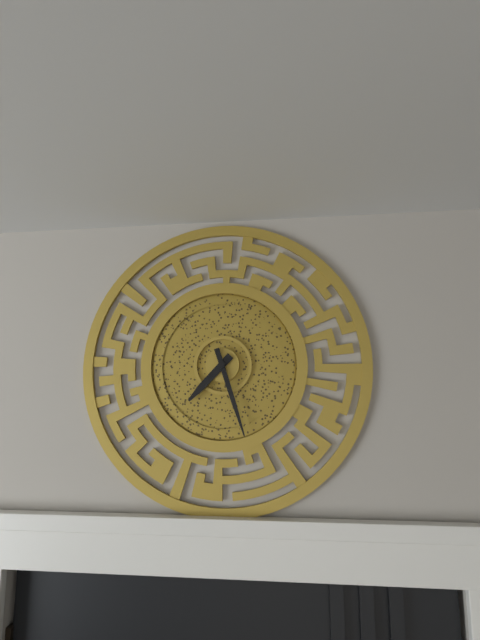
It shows **7:27**
